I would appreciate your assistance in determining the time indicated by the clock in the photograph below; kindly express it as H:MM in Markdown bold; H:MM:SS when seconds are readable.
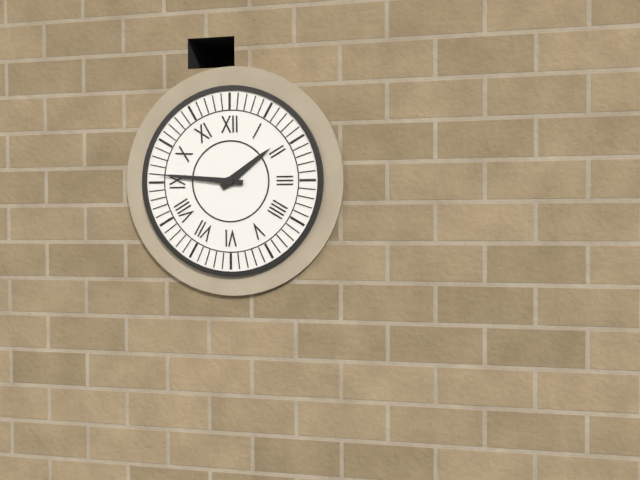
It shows **1:46**
